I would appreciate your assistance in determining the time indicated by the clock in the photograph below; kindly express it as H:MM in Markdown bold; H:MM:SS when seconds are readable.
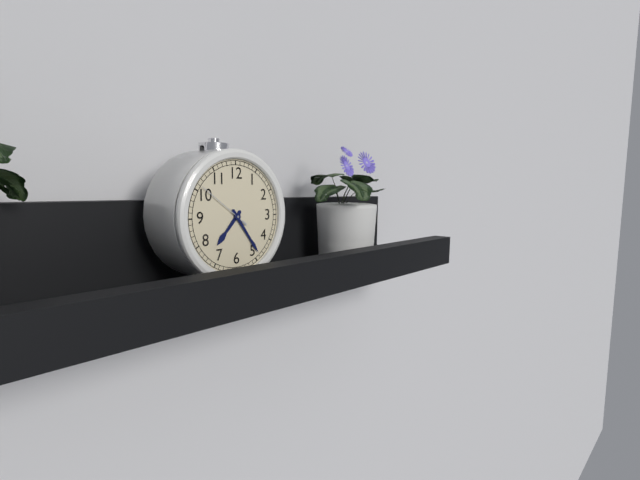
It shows **7:24:51**
